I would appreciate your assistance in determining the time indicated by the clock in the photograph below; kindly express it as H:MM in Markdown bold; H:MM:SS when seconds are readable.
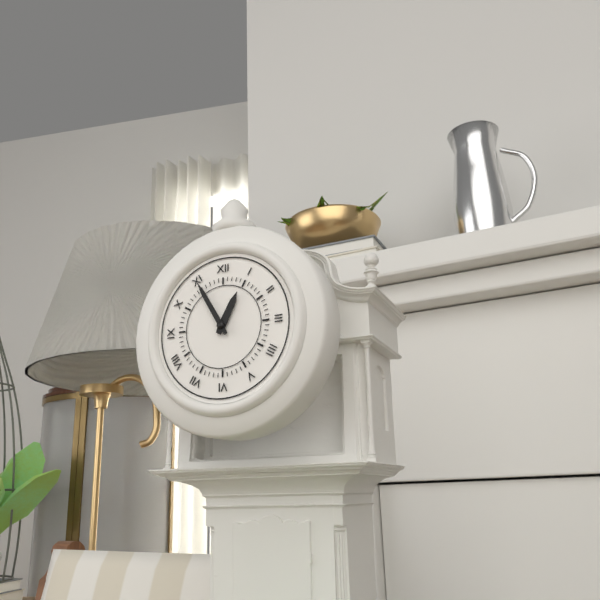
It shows **12:55**
